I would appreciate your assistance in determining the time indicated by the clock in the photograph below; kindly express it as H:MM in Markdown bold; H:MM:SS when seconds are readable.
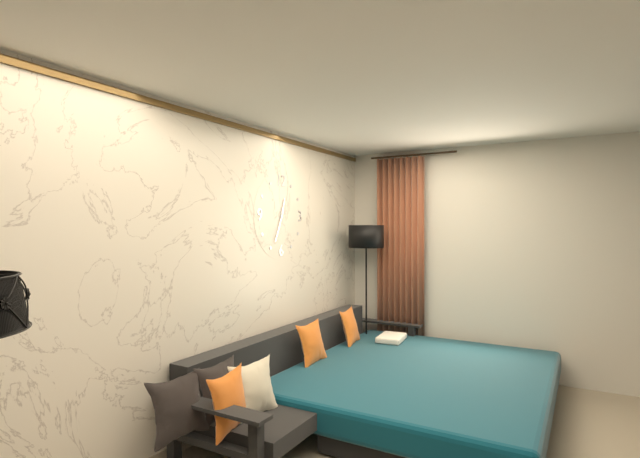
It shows **12:34**
